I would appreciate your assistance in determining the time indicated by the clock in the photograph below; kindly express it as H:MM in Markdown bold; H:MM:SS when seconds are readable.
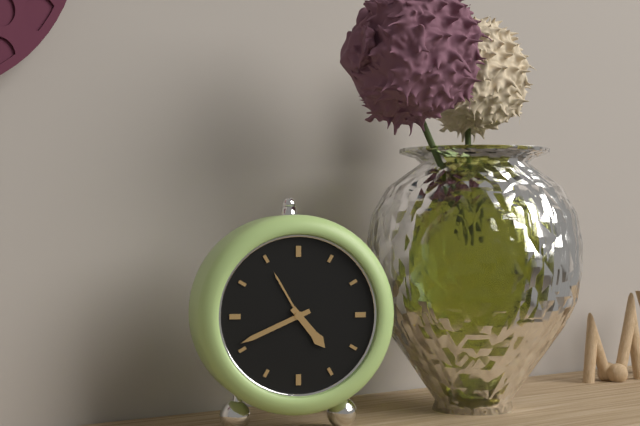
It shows **4:41**
